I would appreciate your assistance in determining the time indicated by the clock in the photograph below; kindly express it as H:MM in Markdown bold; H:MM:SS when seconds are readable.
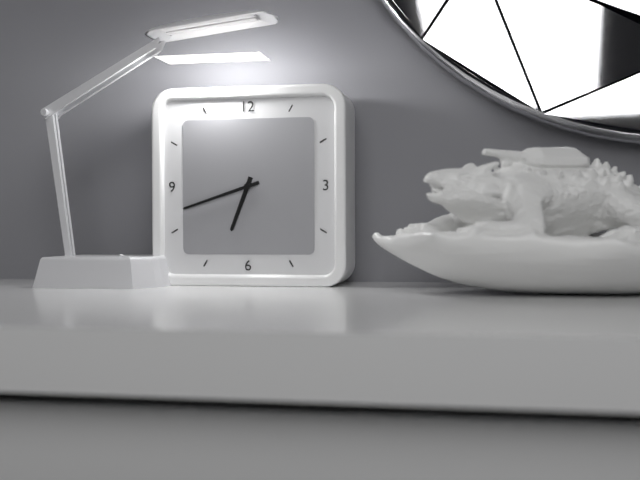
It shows **6:42**
